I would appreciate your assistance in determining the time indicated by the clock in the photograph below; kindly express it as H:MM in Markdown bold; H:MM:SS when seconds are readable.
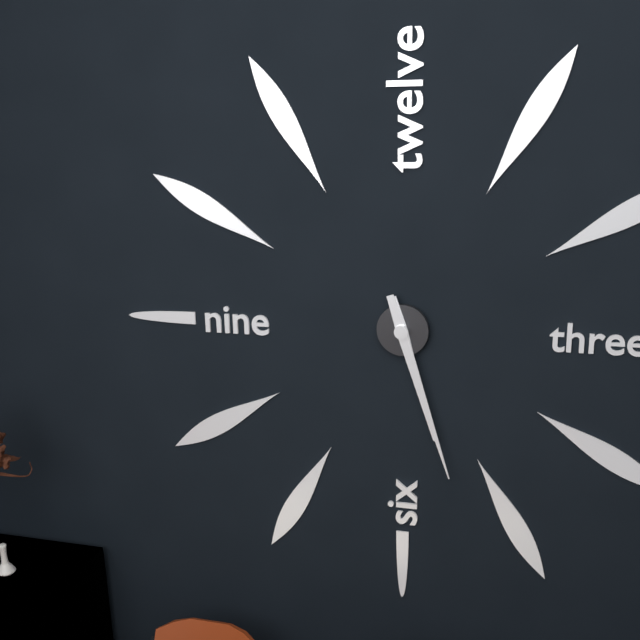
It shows **5:27**
